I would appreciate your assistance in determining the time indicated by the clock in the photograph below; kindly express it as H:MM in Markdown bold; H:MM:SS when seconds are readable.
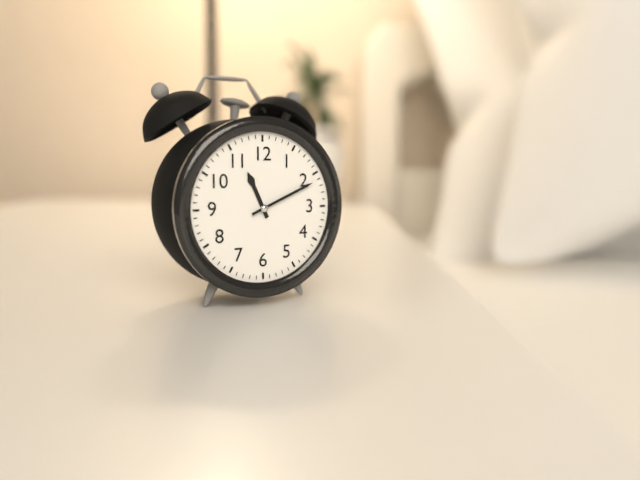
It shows **11:11**
